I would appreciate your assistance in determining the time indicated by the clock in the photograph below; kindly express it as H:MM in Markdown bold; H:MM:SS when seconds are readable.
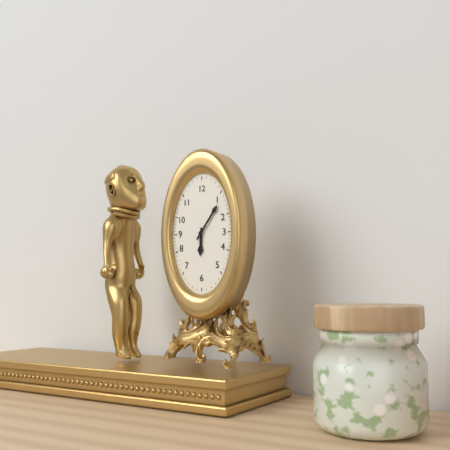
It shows **6:06**
